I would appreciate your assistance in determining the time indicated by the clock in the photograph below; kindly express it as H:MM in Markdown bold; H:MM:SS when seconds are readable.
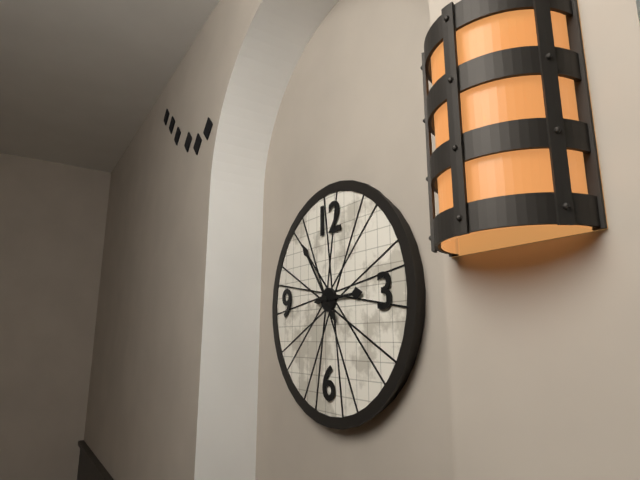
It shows **2:54**
